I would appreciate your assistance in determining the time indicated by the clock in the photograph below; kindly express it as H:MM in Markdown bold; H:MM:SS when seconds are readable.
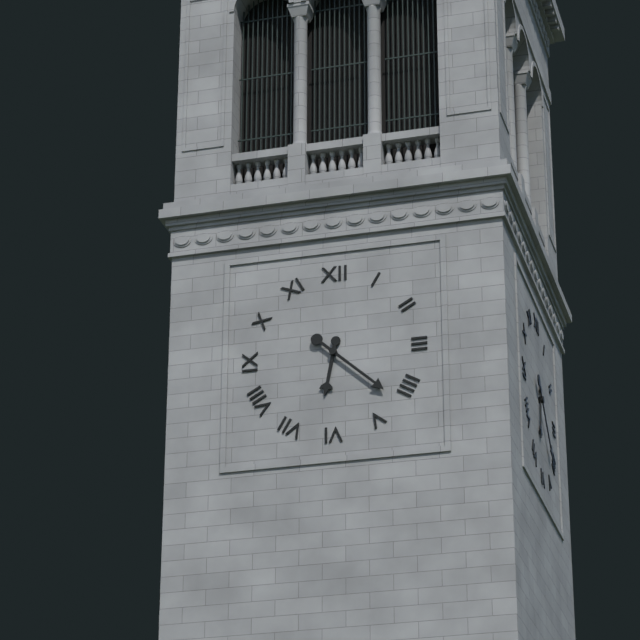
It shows **6:22**
